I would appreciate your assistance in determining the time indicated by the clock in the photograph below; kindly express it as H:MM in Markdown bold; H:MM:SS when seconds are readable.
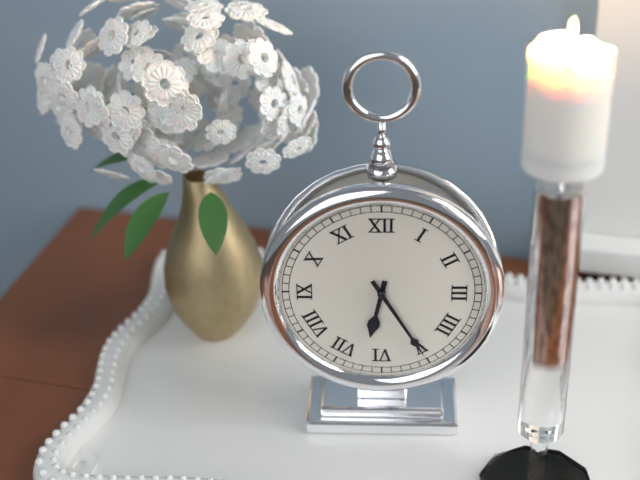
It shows **6:25**
